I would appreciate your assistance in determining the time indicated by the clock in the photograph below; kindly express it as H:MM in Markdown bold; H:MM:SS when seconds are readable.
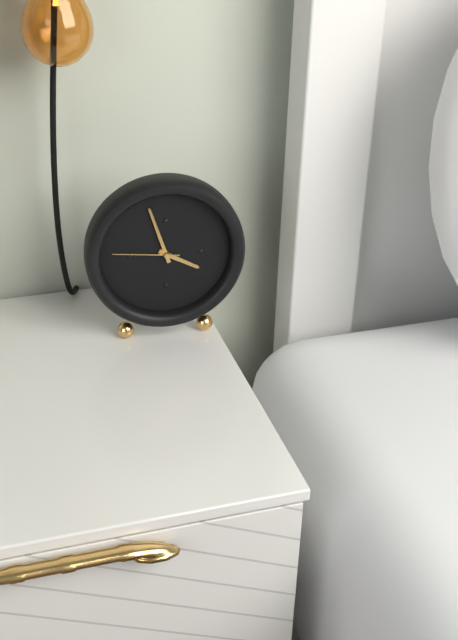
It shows **3:57:46**
